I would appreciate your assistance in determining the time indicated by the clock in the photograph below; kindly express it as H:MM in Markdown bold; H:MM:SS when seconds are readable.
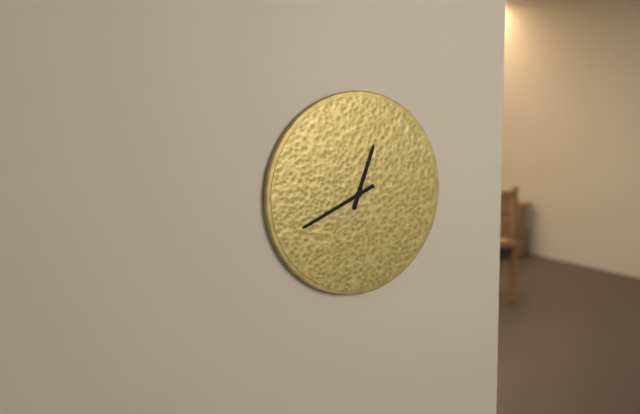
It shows **12:41**
